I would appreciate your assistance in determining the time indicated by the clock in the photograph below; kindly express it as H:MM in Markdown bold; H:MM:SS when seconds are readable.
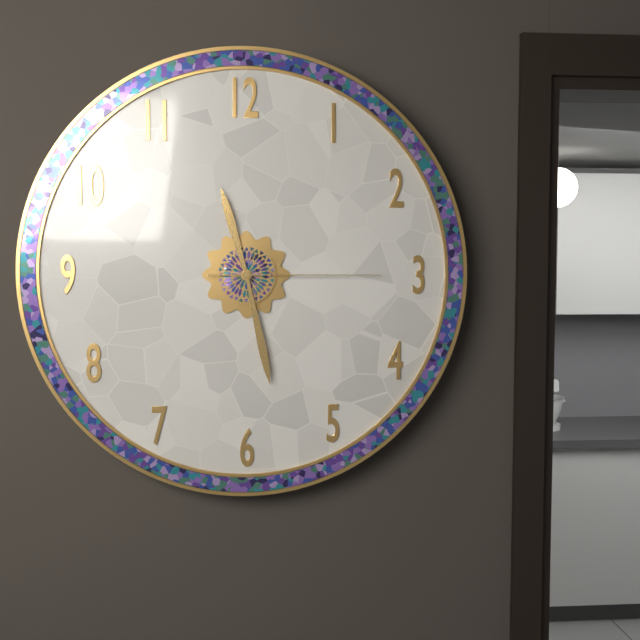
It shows **11:28:15**
